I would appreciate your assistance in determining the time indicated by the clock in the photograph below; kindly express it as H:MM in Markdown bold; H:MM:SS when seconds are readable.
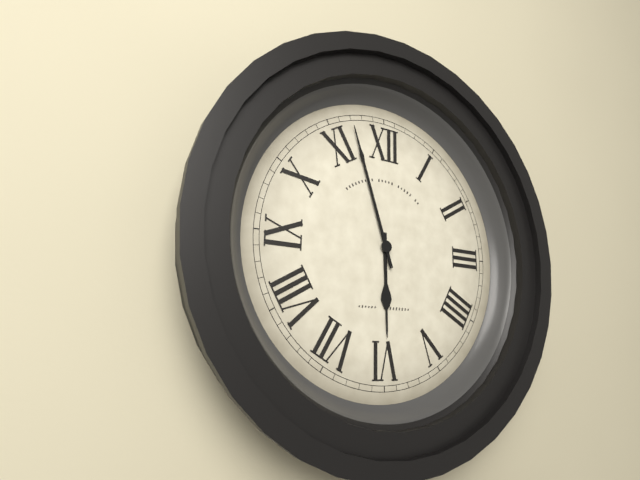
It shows **5:57**
